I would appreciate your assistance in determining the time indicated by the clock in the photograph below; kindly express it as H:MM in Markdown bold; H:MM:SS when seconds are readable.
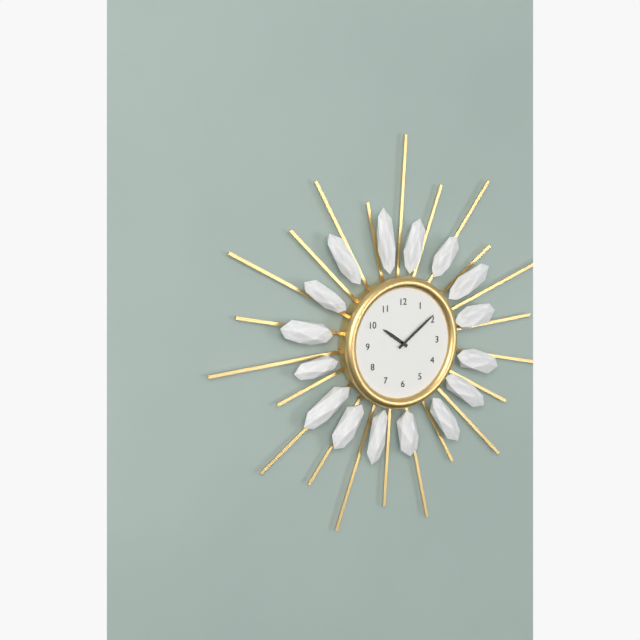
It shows **10:09**
